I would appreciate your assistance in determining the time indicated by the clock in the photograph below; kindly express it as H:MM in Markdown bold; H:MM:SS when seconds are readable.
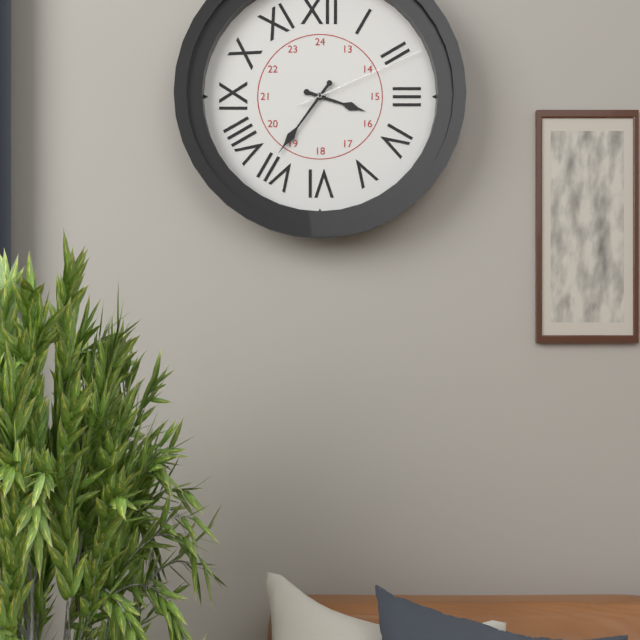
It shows **3:36:11**
